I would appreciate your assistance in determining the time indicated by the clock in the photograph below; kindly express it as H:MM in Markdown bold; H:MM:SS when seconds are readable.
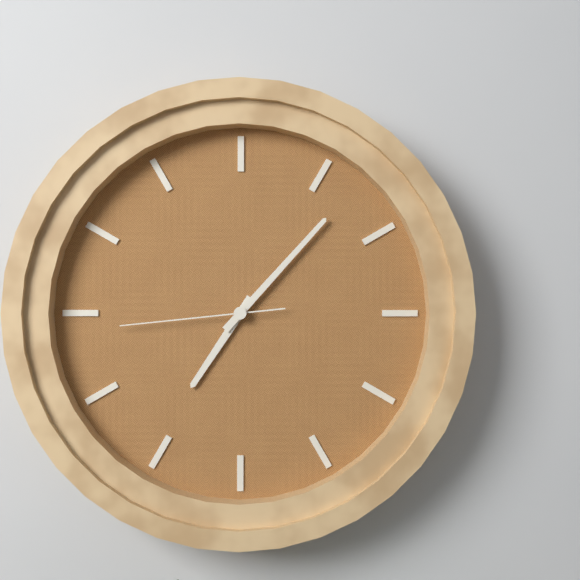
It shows **7:07:44**
